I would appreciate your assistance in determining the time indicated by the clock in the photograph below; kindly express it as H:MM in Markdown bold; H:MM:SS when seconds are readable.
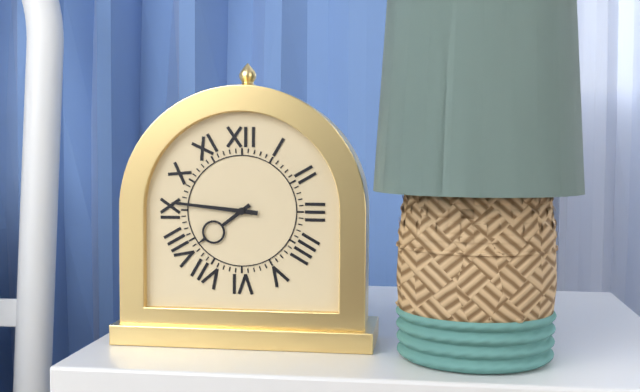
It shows **7:46**
